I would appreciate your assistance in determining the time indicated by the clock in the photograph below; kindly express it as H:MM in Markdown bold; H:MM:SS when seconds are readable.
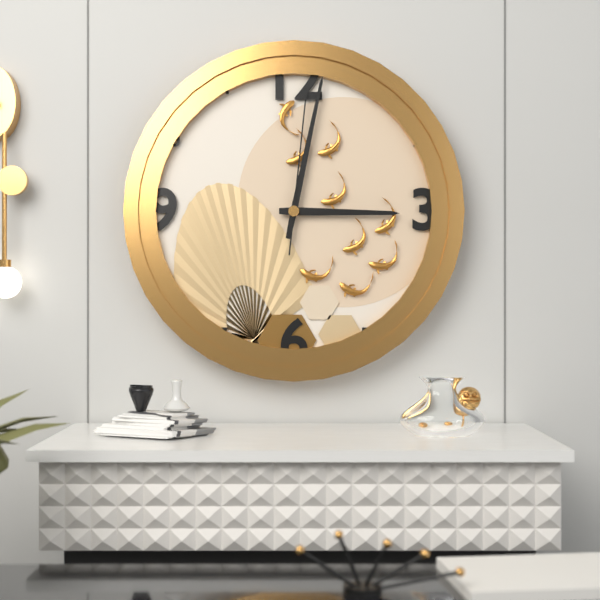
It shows **3:02:01**
